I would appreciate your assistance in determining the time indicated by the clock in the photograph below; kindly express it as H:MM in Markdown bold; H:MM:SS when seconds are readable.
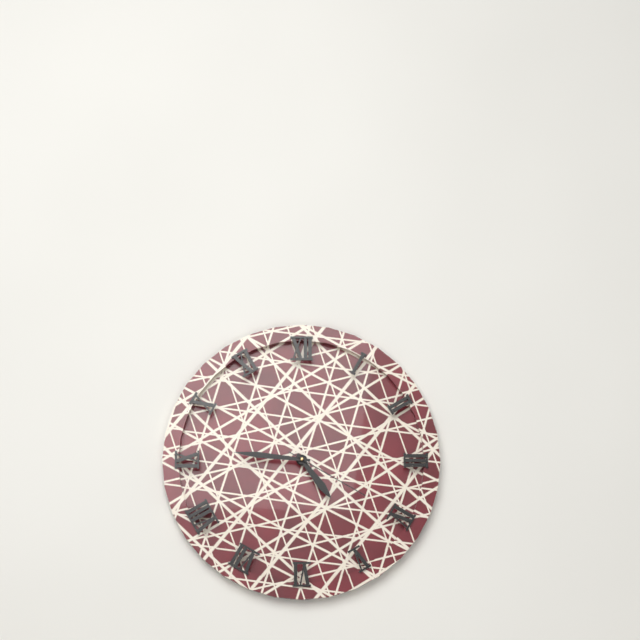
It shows **4:46:20**
